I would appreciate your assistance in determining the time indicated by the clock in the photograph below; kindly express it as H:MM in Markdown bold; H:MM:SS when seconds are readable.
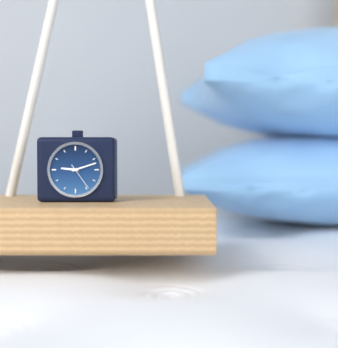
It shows **9:12**
